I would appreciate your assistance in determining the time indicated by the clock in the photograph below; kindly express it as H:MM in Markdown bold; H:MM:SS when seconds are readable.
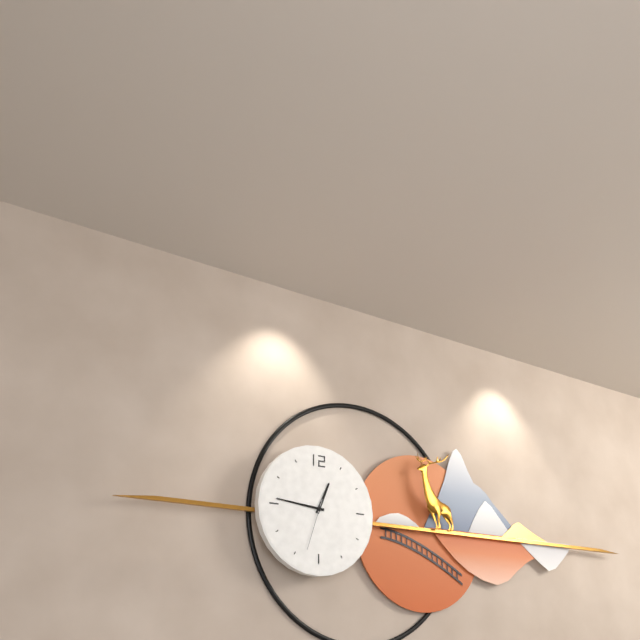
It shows **12:46:33**
